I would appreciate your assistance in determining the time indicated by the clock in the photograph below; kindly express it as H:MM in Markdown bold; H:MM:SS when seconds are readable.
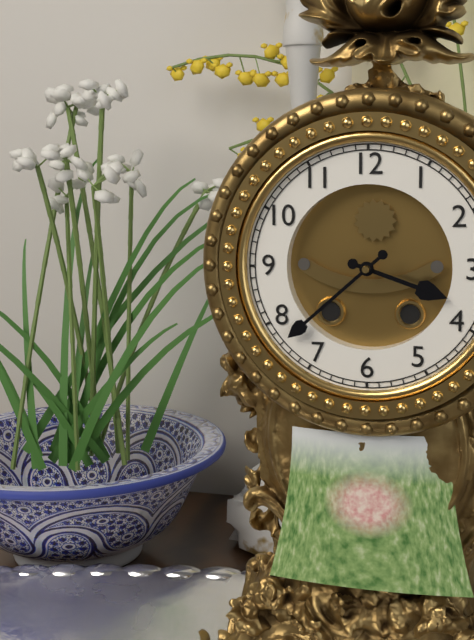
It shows **3:38**
